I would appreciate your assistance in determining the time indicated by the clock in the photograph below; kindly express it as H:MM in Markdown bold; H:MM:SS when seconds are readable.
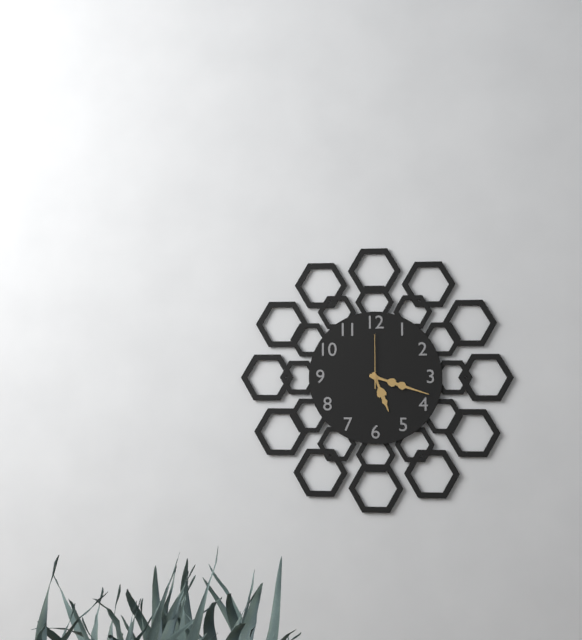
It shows **5:18:00**
